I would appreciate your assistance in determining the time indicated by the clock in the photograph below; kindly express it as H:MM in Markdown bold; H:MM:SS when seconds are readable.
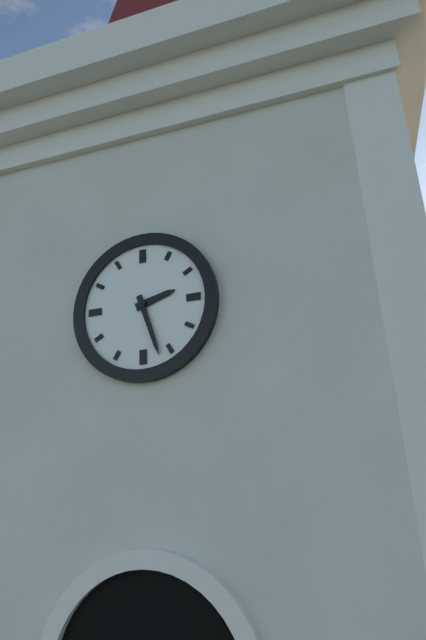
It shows **2:27**
